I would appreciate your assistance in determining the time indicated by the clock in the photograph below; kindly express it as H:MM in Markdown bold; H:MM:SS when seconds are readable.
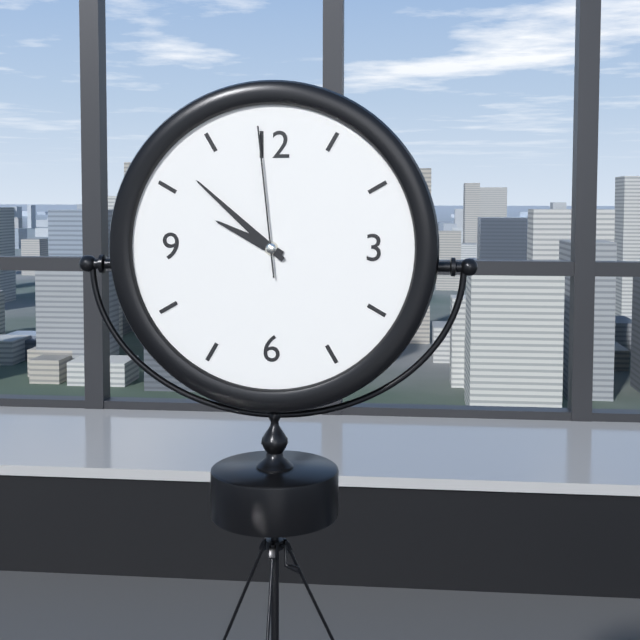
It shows **9:52:59**
